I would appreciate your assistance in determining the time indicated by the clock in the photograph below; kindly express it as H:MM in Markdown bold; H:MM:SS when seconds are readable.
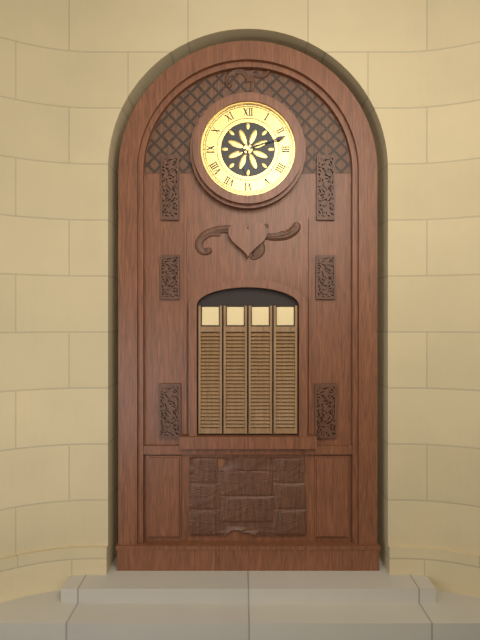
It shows **6:12**
